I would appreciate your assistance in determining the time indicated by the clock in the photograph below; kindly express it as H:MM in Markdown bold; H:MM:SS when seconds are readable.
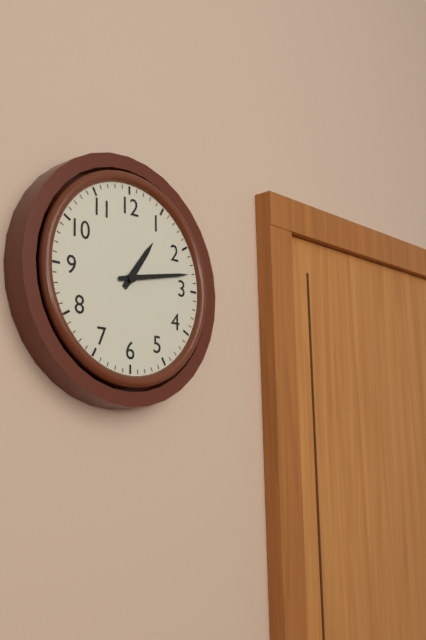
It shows **1:13**
